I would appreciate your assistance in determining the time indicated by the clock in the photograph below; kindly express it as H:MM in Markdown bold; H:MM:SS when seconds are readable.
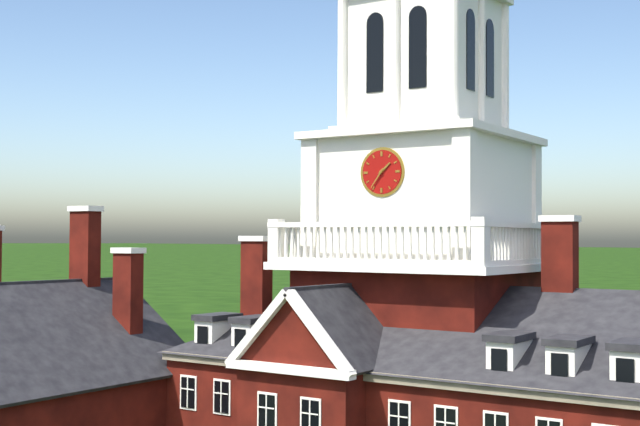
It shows **1:36**
